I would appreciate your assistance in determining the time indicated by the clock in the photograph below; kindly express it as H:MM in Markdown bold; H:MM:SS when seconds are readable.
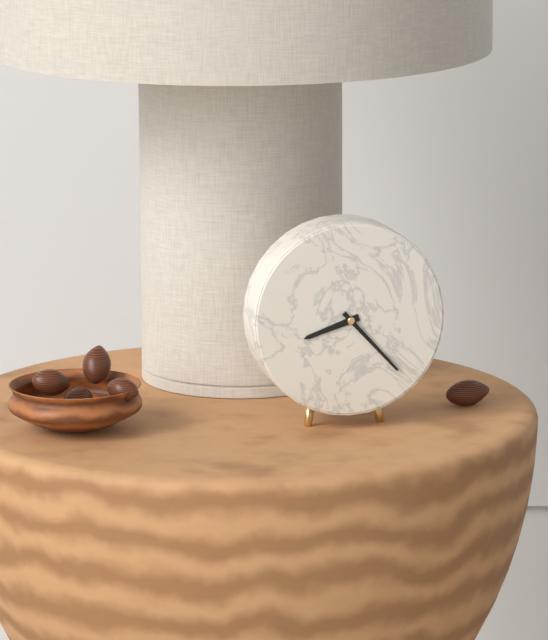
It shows **8:23**
